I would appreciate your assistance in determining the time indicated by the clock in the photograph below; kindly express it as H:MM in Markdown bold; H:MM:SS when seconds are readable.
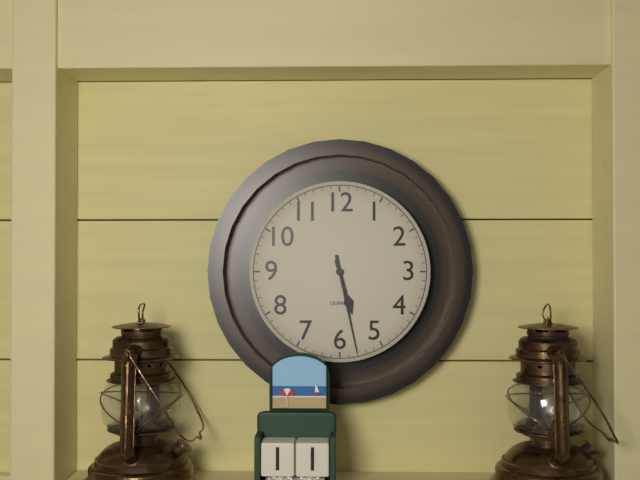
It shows **5:28**
